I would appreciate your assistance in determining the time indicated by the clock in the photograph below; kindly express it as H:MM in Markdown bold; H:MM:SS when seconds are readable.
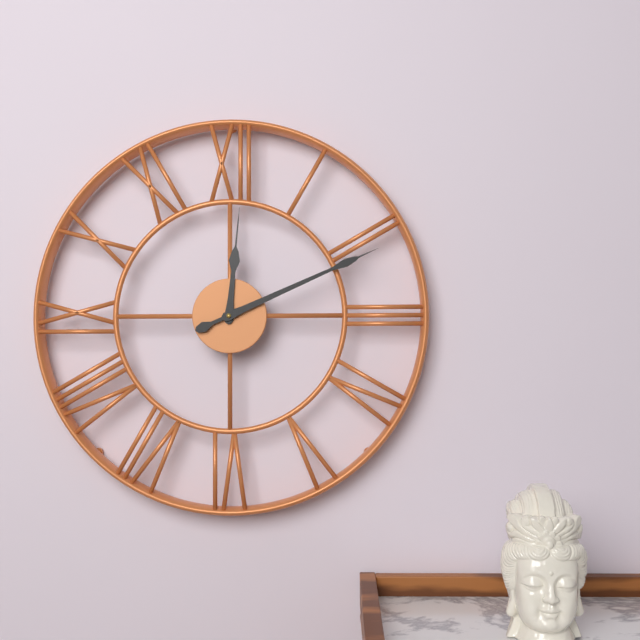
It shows **12:11**
